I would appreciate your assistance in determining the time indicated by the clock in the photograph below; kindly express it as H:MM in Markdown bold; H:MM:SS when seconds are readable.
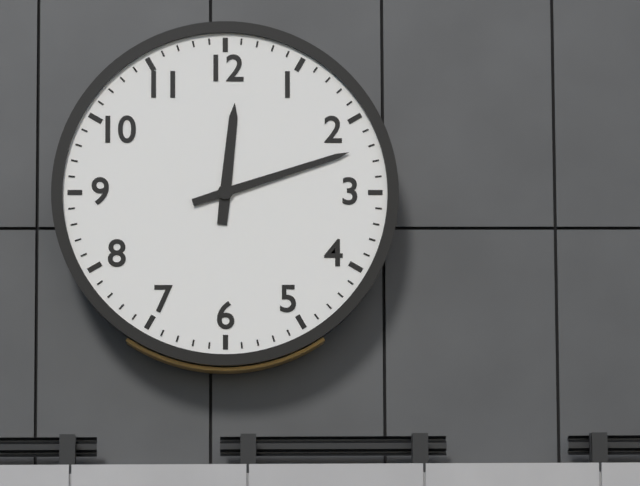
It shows **12:12**
